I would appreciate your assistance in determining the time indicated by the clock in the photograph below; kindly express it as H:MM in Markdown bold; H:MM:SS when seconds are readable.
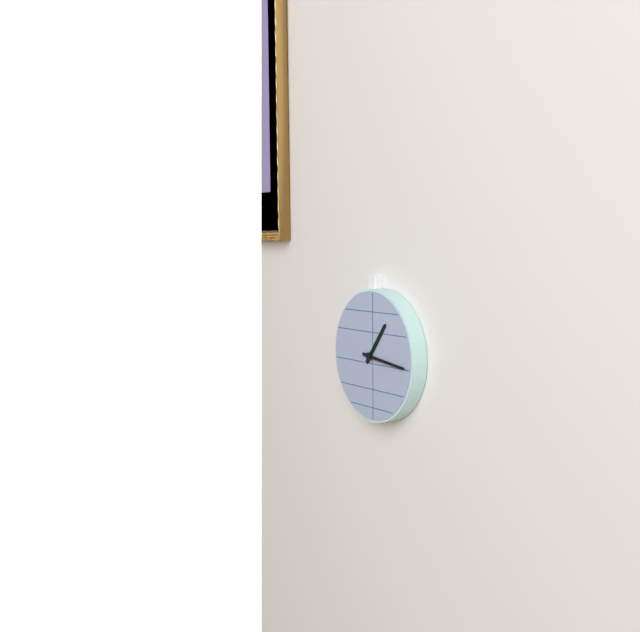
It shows **1:16**
